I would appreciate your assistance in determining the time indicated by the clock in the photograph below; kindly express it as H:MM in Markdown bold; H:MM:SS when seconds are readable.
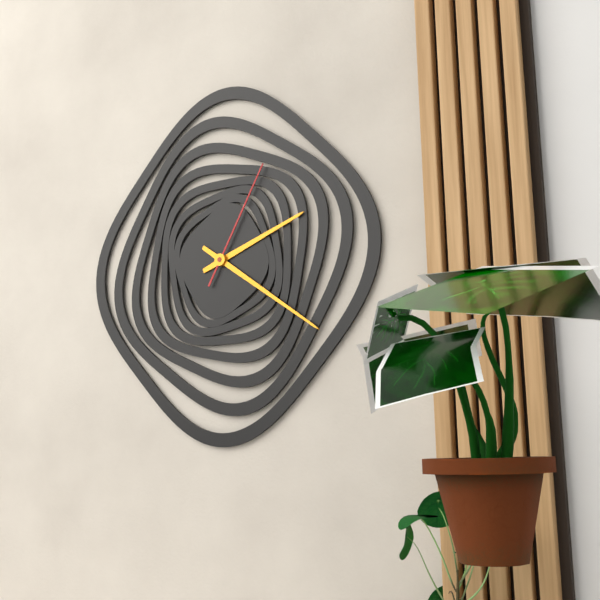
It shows **2:21:05**
